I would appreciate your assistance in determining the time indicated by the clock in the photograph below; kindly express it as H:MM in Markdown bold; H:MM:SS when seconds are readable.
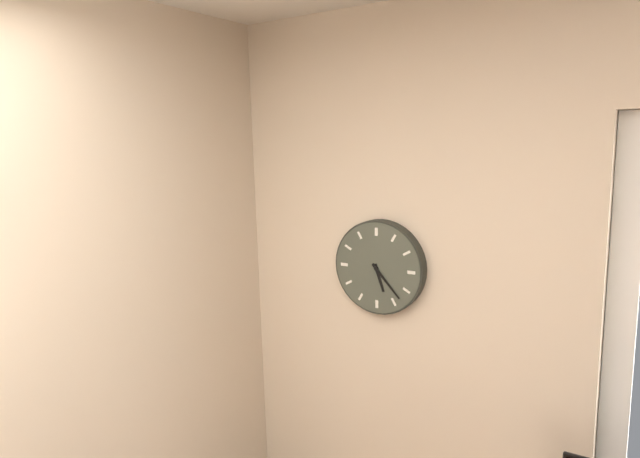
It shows **5:23**
